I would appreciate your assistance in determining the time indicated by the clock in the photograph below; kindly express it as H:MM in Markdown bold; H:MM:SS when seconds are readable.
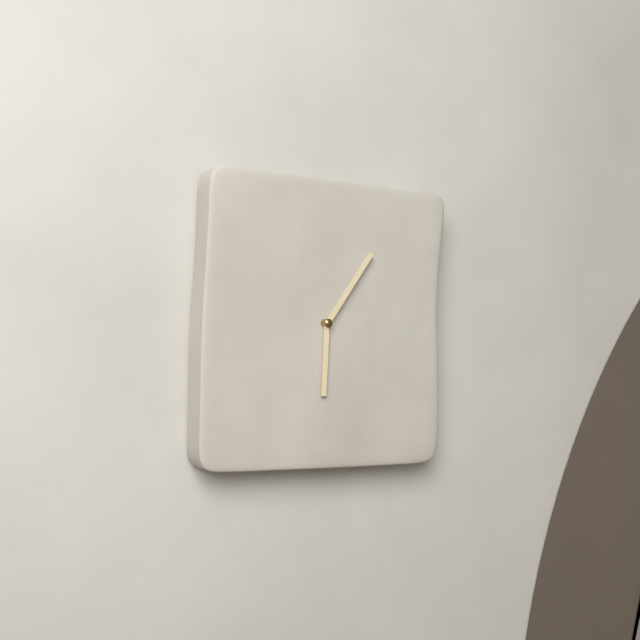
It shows **6:06**
